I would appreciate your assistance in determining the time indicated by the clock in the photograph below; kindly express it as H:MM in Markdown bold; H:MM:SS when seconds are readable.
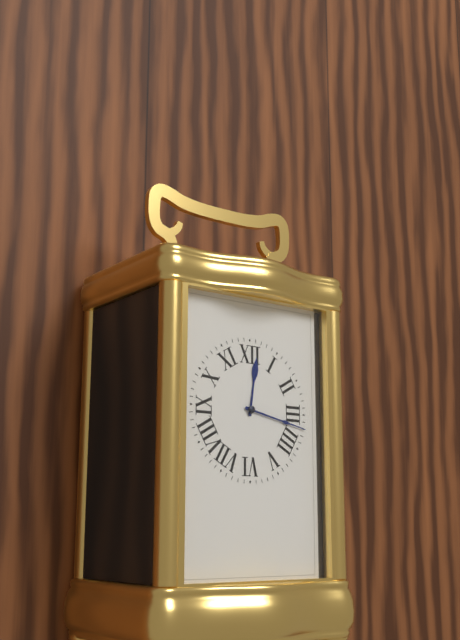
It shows **12:17**
